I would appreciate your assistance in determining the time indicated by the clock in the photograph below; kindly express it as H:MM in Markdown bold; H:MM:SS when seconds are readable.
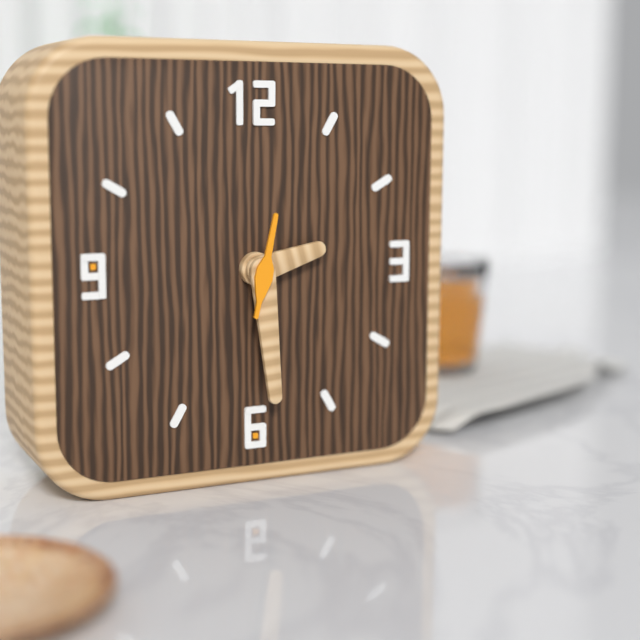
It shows **2:29:02**
